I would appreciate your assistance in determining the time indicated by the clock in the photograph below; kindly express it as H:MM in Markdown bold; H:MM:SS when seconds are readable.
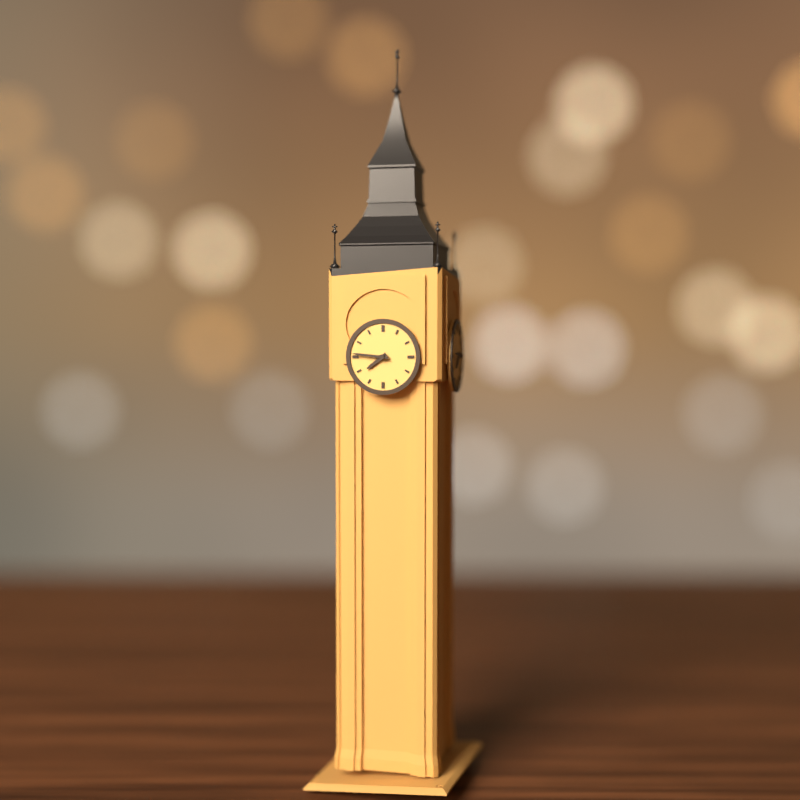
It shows **7:46**
